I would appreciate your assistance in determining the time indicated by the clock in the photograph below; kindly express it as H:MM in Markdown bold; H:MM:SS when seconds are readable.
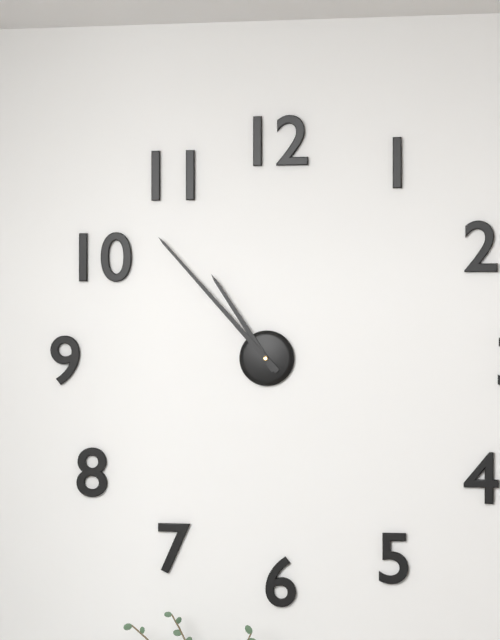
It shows **10:53**
